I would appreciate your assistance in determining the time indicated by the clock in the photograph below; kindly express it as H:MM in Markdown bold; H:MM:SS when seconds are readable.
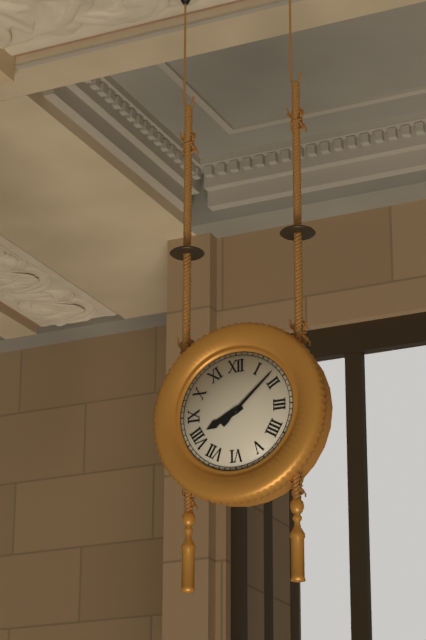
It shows **8:08**
